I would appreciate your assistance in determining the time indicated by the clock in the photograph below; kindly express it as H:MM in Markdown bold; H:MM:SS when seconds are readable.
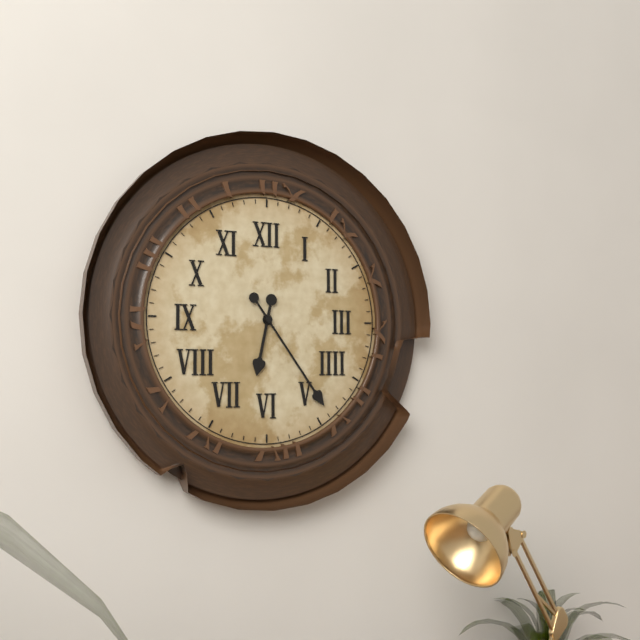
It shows **6:24**
